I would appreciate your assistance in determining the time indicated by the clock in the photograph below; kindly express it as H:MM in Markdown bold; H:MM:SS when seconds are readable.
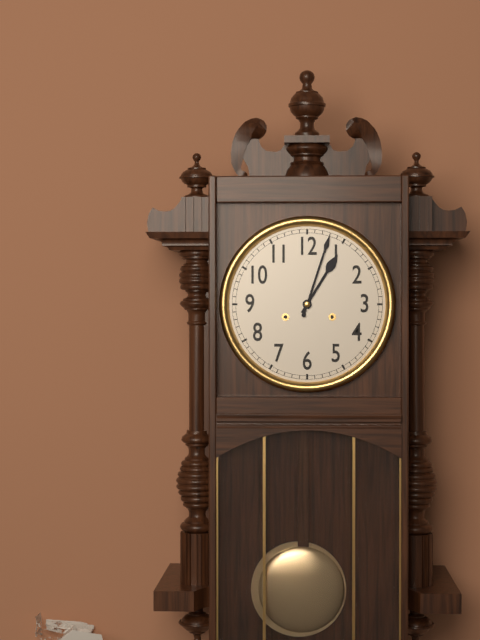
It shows **1:03**
